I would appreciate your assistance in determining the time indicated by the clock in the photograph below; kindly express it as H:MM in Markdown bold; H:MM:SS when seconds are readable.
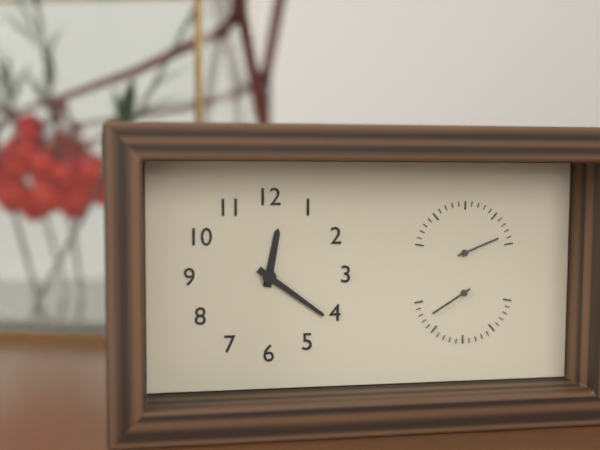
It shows **12:21**
